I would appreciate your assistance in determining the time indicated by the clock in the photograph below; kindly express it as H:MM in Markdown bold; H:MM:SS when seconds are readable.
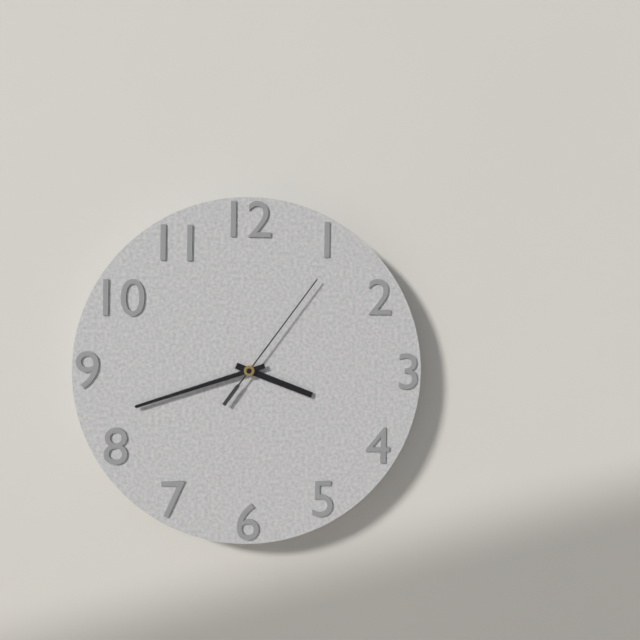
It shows **3:42:06**
